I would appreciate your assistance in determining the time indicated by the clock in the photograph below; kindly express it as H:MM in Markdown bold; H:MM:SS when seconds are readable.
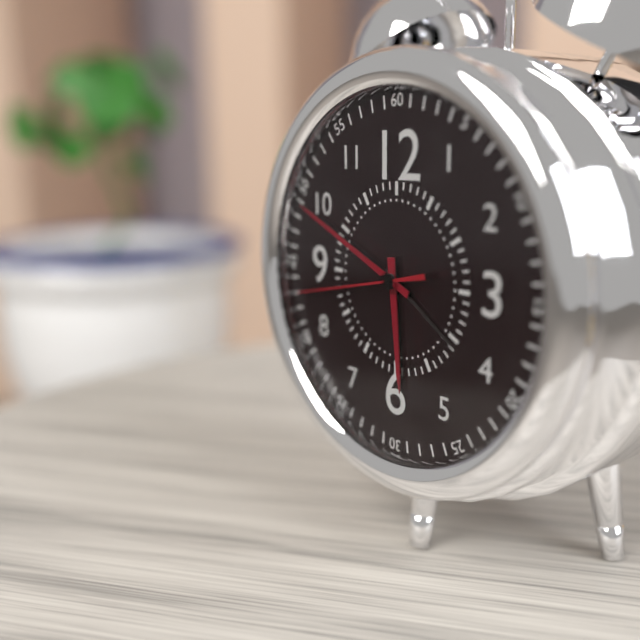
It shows **5:49:43**
